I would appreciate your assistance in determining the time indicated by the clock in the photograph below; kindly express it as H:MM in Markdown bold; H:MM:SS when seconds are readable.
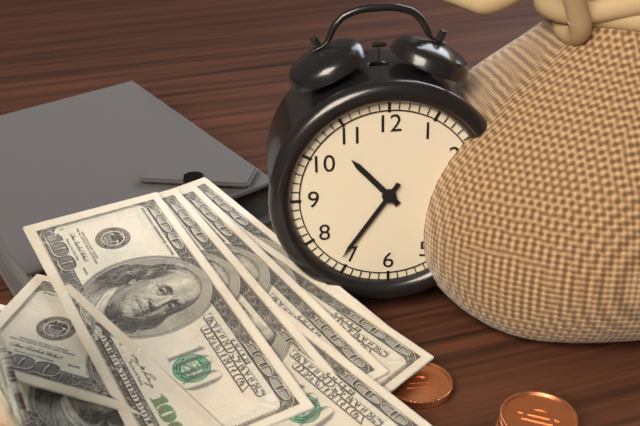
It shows **10:36**
